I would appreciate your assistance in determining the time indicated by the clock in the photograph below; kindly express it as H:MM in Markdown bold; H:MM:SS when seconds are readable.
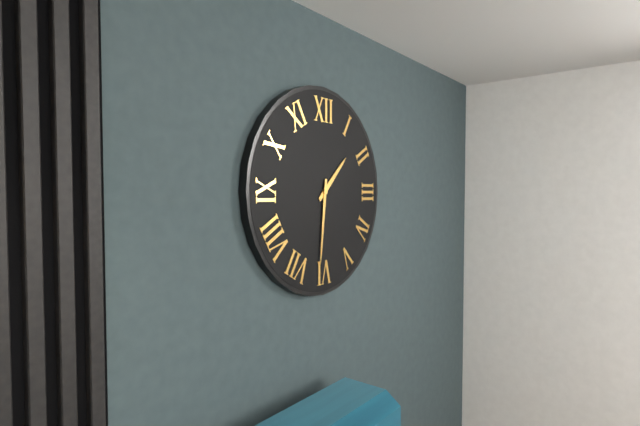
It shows **1:31**
